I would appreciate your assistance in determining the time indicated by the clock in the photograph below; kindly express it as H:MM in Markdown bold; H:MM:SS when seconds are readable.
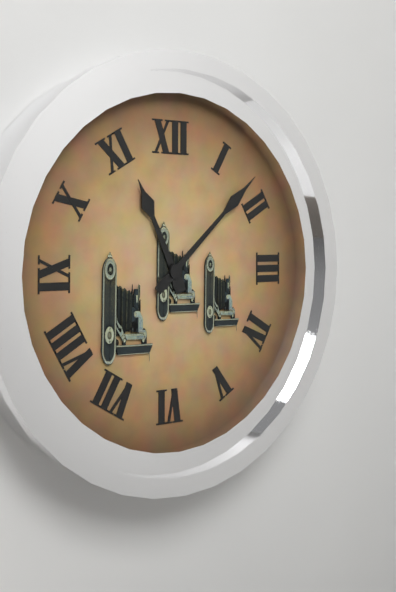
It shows **11:08**
